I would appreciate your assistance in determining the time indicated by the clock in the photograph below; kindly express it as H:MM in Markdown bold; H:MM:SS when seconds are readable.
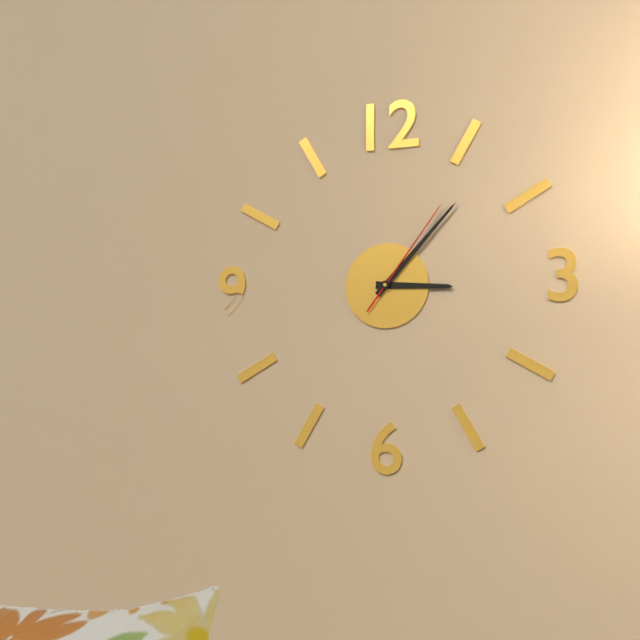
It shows **3:07:06**
